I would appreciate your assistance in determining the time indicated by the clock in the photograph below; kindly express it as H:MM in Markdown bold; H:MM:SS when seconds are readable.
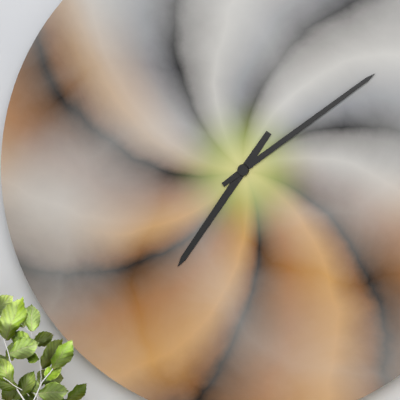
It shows **7:09**
